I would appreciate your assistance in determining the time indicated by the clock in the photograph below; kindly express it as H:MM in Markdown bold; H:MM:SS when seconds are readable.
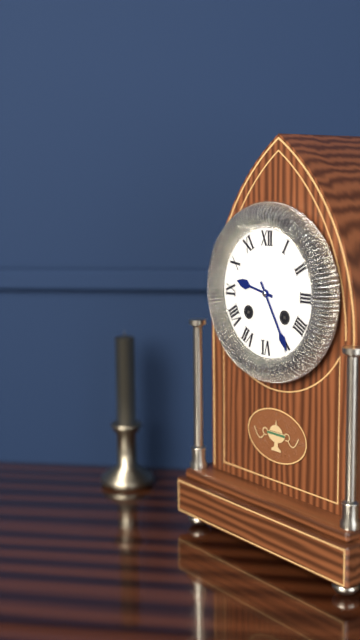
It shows **9:25**
